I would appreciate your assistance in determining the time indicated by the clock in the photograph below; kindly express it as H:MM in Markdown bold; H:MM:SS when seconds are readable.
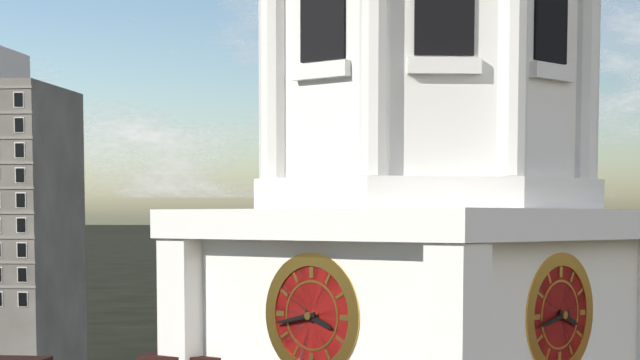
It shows **3:43**
